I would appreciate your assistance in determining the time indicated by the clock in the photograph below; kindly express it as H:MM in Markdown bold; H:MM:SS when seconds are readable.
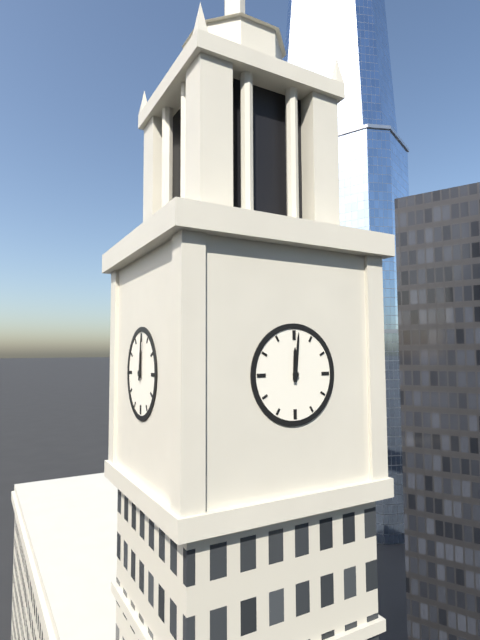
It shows **12:01**
